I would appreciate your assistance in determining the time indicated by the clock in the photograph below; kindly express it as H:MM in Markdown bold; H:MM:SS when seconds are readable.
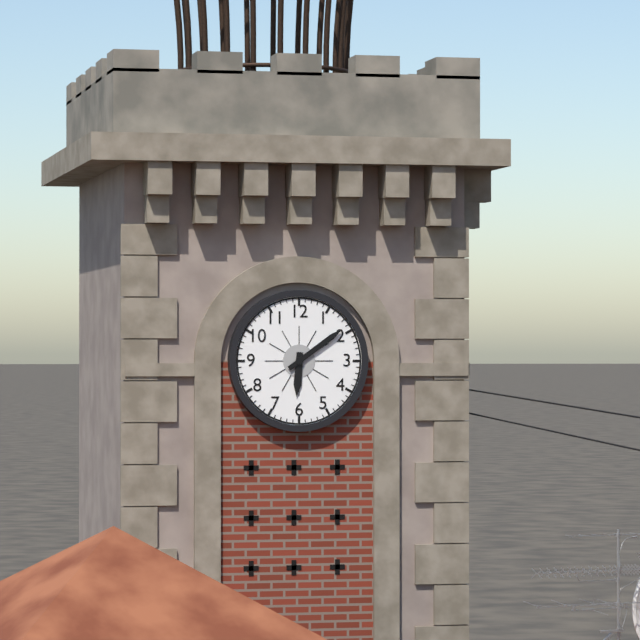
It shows **6:09**
